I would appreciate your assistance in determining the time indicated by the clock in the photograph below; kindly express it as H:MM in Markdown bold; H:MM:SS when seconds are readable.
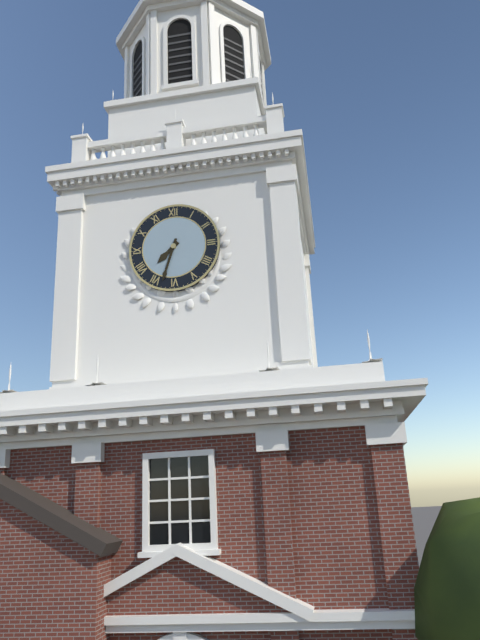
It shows **7:33**
